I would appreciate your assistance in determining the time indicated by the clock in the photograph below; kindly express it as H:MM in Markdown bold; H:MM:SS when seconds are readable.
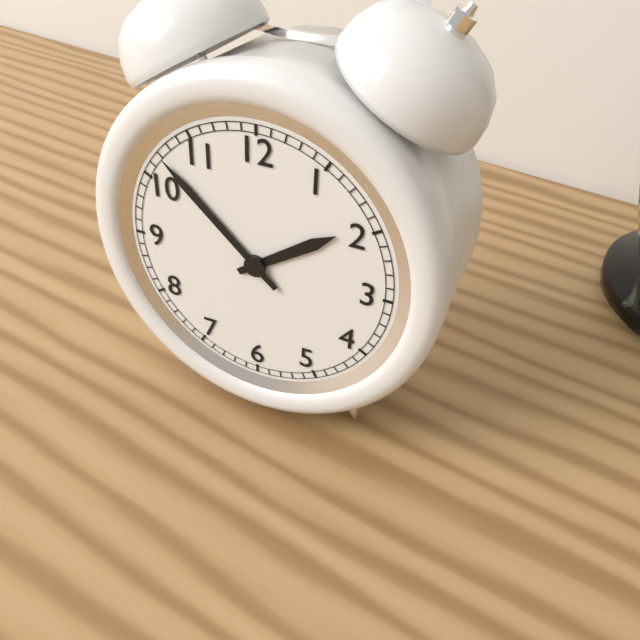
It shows **1:52**
